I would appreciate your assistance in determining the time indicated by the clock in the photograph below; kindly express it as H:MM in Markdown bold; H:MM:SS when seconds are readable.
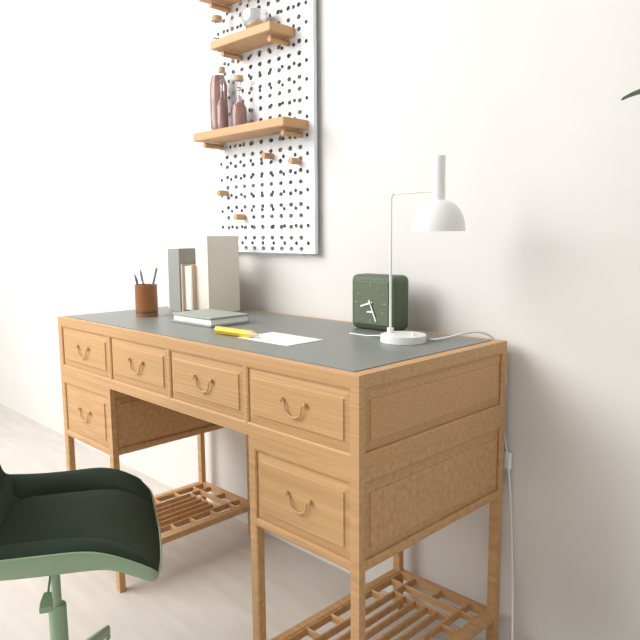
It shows **8:26**
